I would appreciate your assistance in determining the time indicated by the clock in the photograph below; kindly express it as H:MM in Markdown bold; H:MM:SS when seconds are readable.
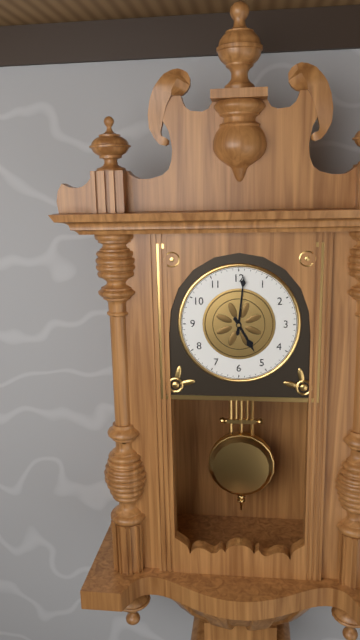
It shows **5:01**
